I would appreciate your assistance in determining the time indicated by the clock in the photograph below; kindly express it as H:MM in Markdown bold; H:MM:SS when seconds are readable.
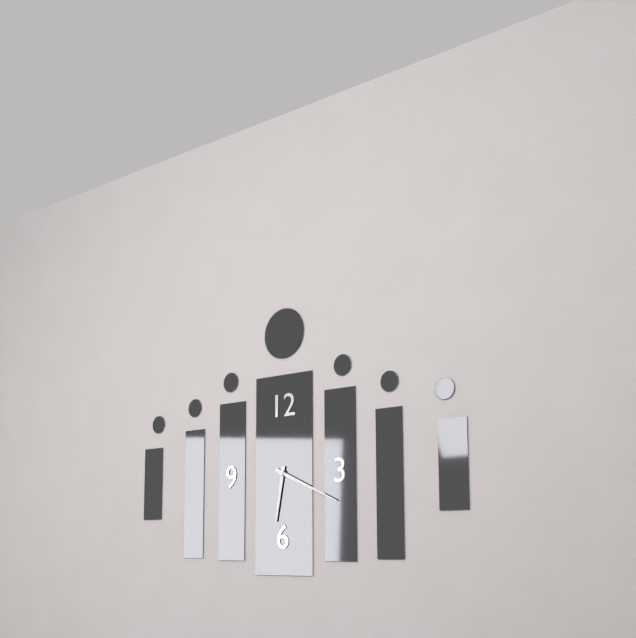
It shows **6:19**
